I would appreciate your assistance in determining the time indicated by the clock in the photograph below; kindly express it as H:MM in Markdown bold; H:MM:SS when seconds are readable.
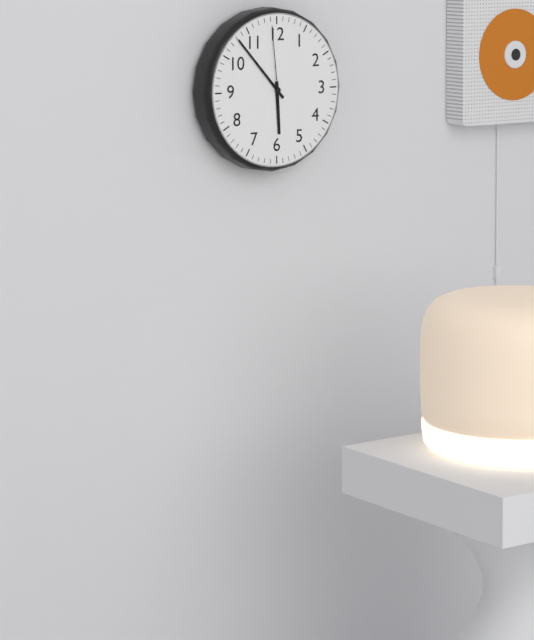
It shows **5:53:59**
